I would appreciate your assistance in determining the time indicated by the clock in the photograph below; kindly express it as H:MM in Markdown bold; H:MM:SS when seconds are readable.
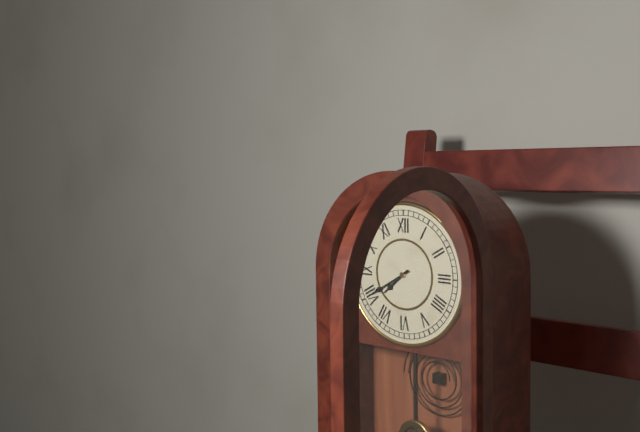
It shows **7:40**
